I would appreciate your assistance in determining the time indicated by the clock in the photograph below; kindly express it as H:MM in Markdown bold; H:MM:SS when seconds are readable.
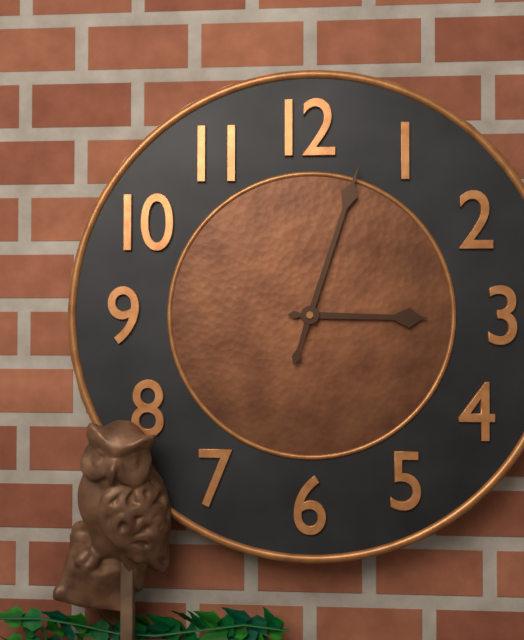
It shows **3:03**
